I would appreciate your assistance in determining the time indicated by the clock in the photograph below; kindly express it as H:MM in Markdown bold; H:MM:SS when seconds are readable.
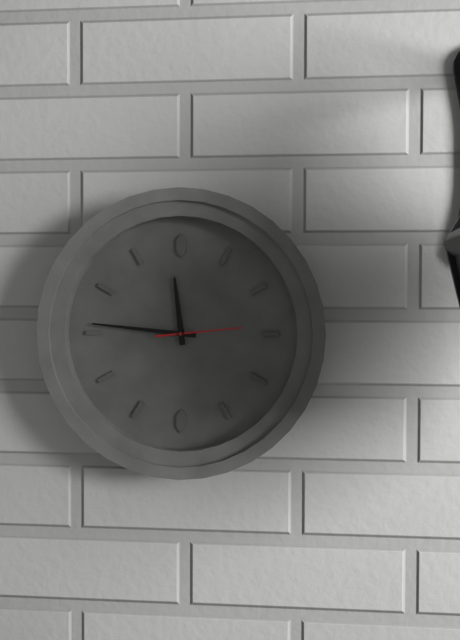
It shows **11:46:14**
